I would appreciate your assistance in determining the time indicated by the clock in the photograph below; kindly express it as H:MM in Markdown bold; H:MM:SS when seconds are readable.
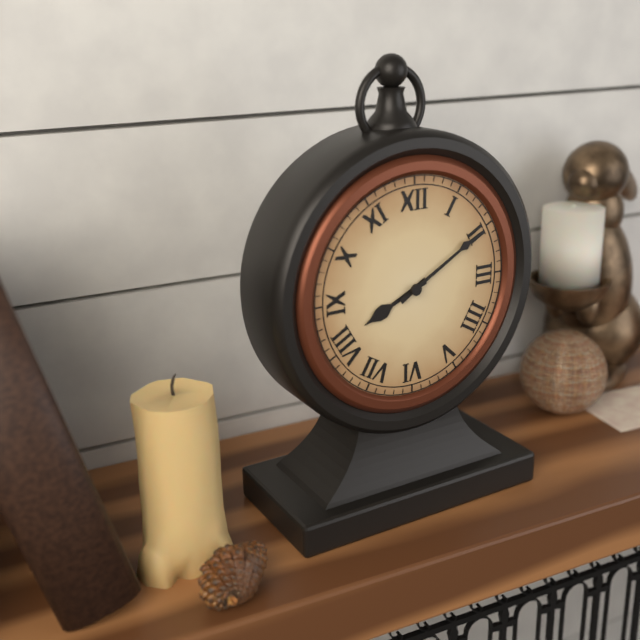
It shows **8:10**
